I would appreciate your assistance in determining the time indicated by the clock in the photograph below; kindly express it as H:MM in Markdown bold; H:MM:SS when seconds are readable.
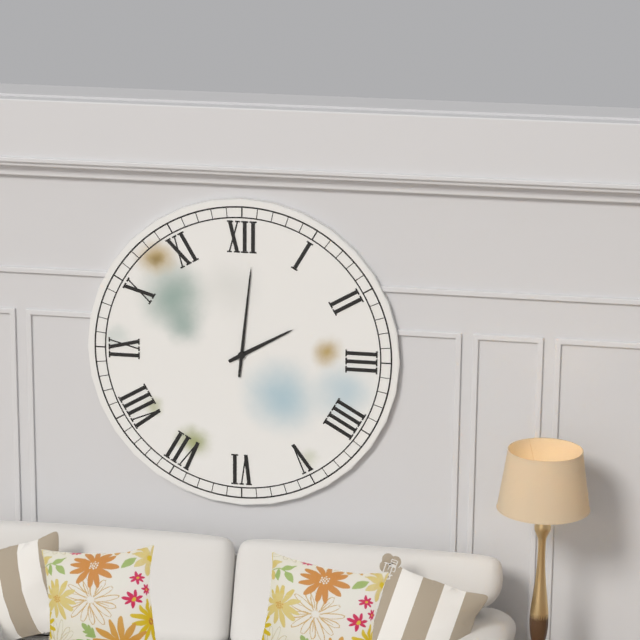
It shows **2:01**
